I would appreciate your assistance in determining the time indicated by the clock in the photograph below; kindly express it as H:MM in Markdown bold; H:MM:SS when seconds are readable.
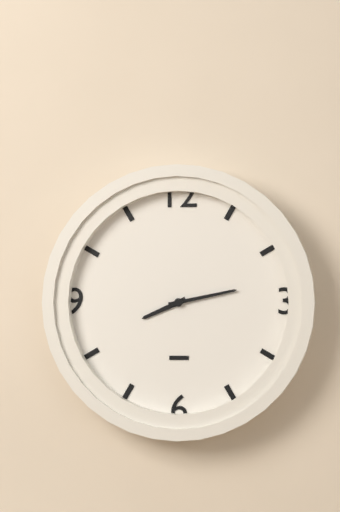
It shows **8:13**
